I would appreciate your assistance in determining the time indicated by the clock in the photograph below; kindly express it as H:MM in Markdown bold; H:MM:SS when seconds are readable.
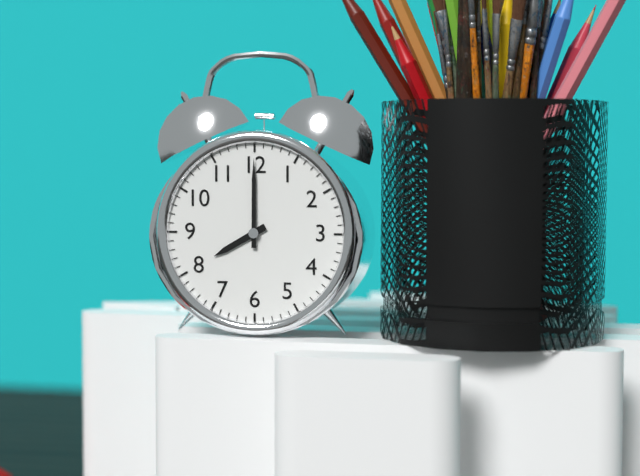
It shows **8:00**
